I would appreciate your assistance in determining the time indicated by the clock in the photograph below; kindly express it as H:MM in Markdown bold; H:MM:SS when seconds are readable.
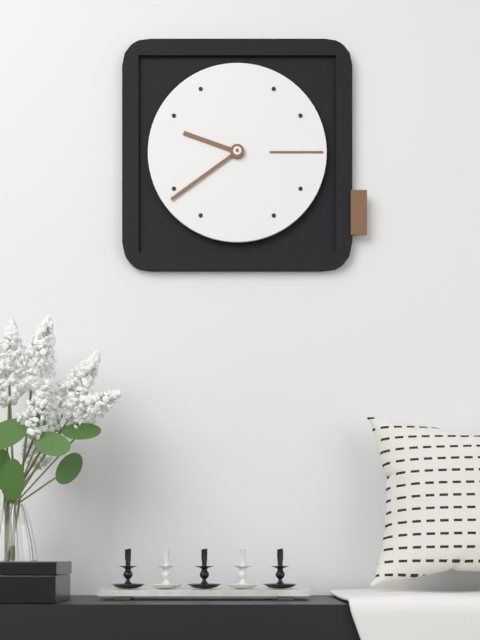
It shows **9:39**
